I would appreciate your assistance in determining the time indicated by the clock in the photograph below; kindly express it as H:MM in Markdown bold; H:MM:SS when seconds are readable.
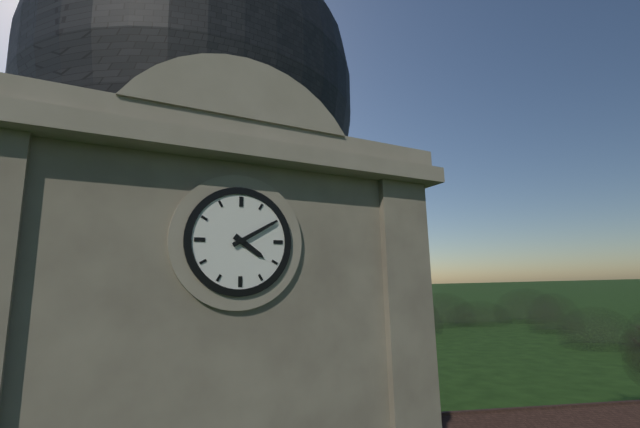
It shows **4:10**
